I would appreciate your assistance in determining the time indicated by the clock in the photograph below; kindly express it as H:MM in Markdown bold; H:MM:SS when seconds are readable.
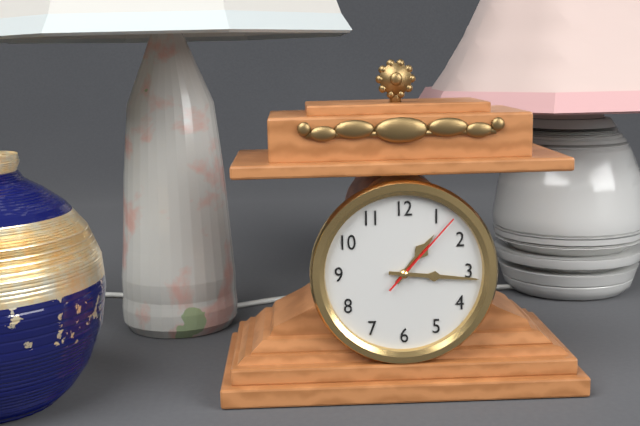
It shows **1:16:07**
